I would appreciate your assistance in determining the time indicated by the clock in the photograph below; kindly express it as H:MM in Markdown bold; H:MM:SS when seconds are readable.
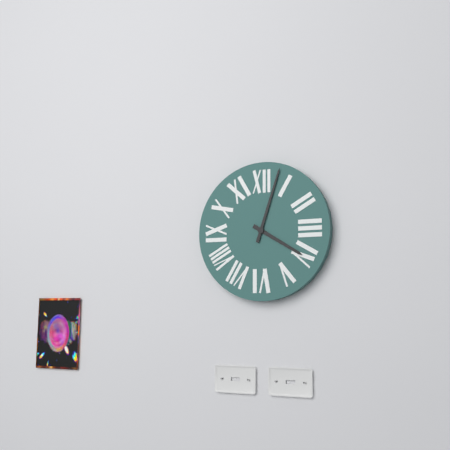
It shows **4:03**
